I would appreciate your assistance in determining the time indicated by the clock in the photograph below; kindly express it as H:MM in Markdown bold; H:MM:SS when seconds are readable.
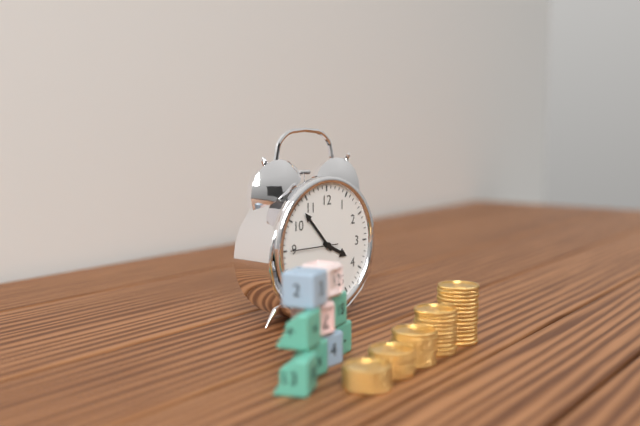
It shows **3:53**
